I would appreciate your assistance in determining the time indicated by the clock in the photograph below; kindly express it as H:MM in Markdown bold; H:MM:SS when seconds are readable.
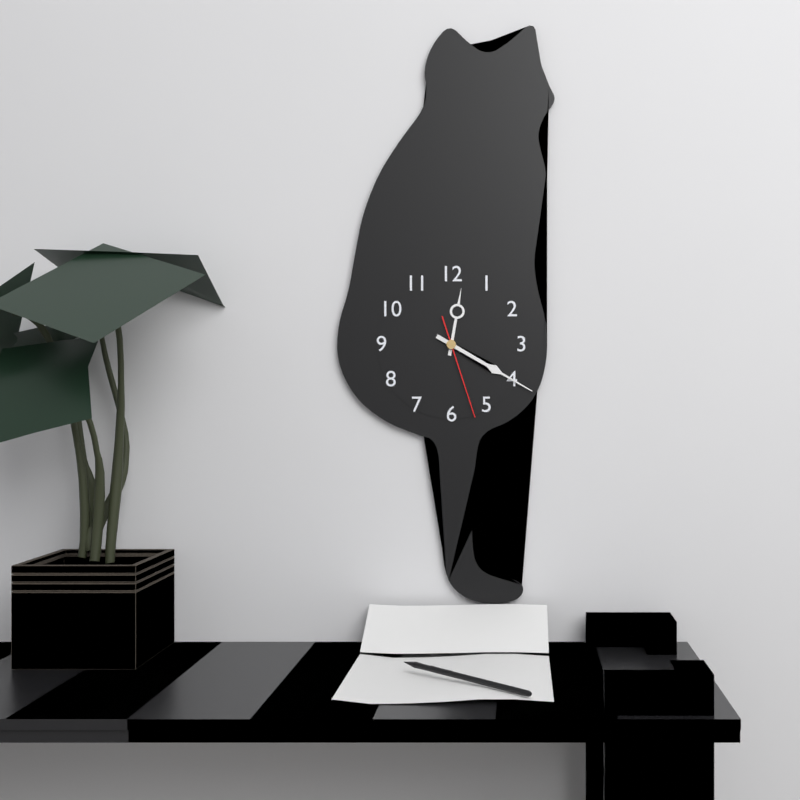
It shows **12:20:27**
